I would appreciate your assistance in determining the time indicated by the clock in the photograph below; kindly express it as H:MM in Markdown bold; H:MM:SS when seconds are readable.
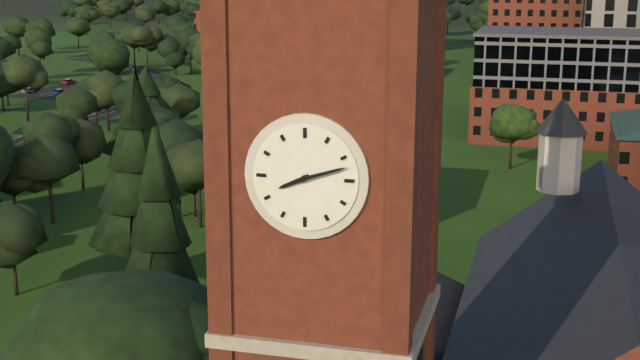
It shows **8:12**
